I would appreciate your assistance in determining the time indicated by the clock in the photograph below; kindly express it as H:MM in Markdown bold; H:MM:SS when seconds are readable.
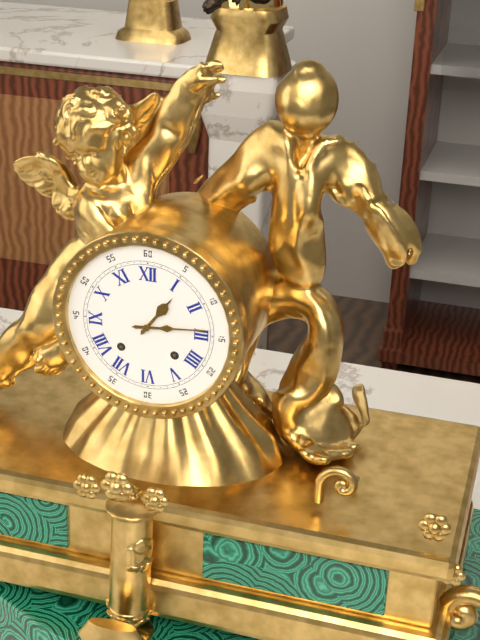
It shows **1:14**
